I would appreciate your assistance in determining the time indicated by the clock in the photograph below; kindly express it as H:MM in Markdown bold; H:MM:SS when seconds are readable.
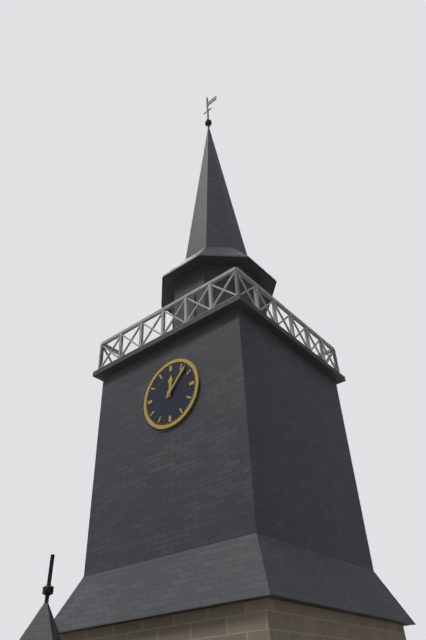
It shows **12:07**
